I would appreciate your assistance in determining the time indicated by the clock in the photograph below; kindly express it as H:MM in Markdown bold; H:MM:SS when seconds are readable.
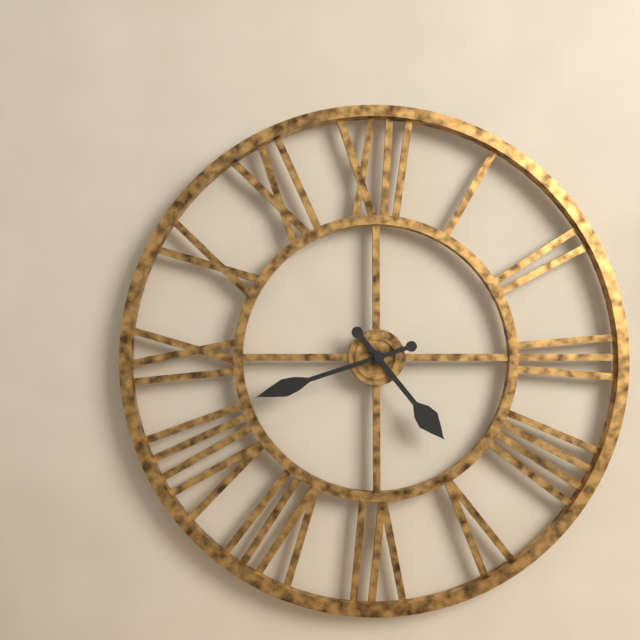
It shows **4:42**
